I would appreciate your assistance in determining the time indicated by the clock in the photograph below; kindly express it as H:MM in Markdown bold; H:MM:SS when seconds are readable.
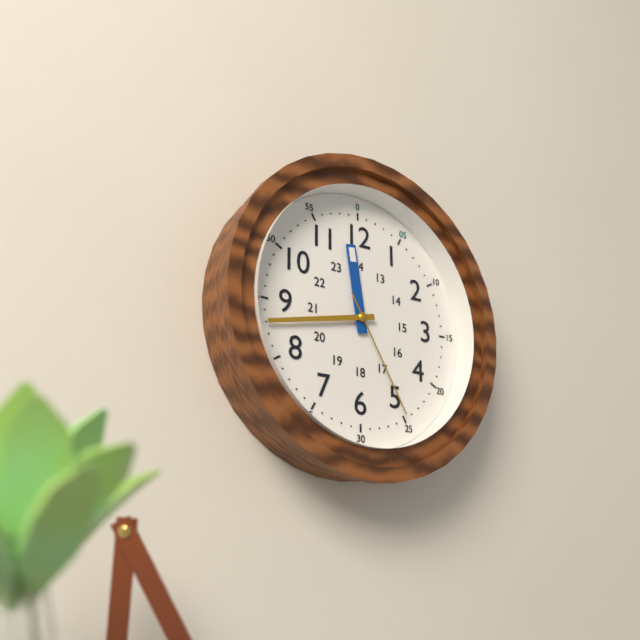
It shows **11:43:25**
